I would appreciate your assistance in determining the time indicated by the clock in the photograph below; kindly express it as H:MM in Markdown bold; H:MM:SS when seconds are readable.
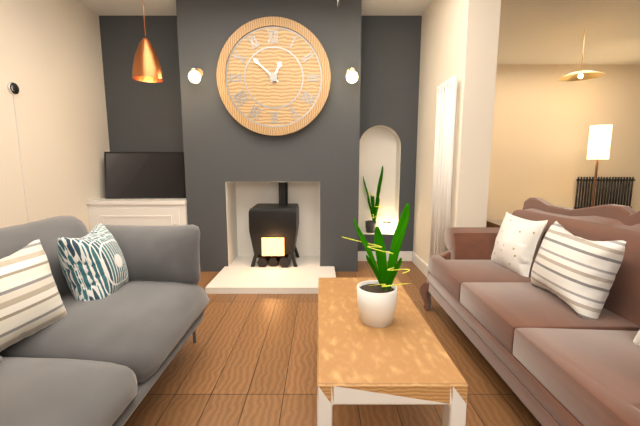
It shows **12:52**
